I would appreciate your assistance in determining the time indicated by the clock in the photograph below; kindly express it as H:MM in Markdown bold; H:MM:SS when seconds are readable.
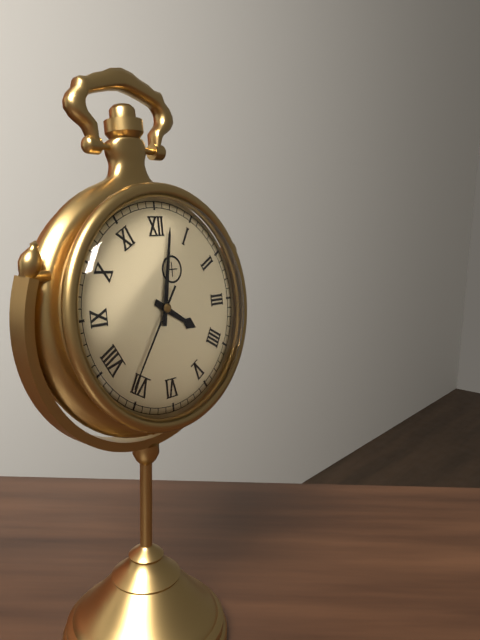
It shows **4:02:36**
